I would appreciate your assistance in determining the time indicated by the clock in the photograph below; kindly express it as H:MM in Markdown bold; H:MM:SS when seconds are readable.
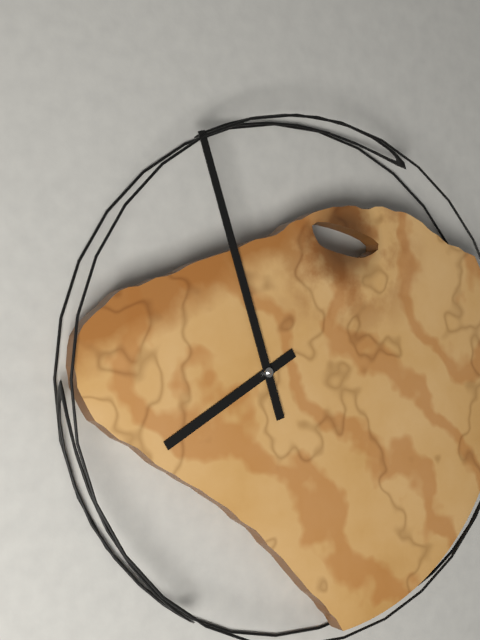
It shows **7:57**
